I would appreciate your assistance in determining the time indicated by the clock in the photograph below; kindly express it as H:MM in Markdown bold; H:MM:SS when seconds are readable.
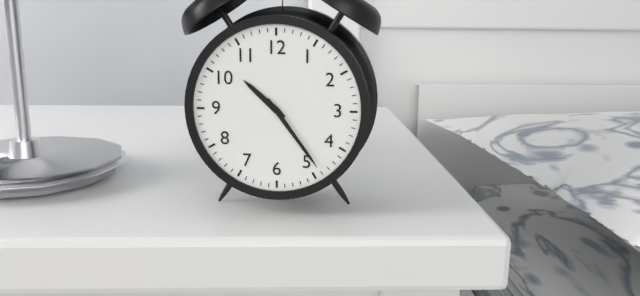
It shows **10:24**
